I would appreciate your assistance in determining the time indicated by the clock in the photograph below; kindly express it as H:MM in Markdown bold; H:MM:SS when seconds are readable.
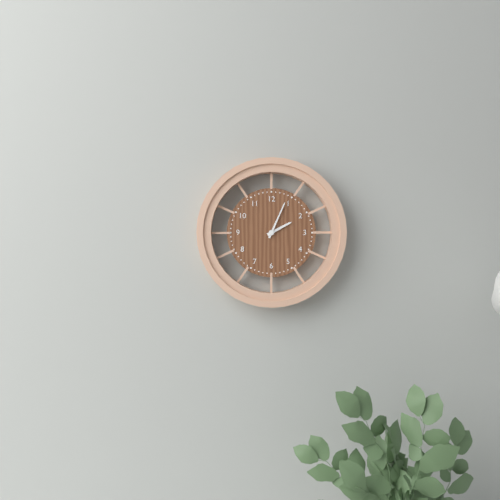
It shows **2:04**
